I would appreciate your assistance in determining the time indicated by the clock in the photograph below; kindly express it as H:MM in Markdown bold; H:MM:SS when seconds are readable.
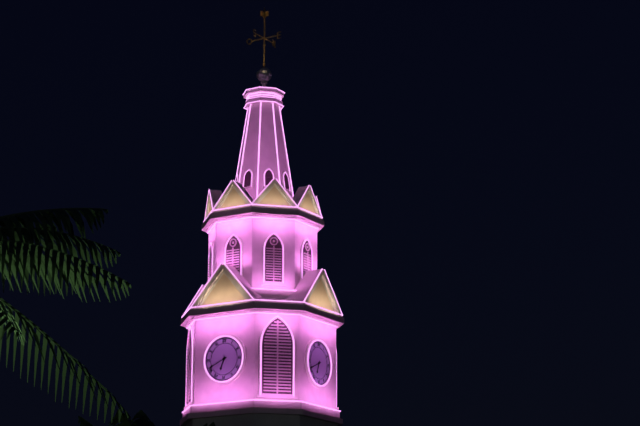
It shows **6:41**
